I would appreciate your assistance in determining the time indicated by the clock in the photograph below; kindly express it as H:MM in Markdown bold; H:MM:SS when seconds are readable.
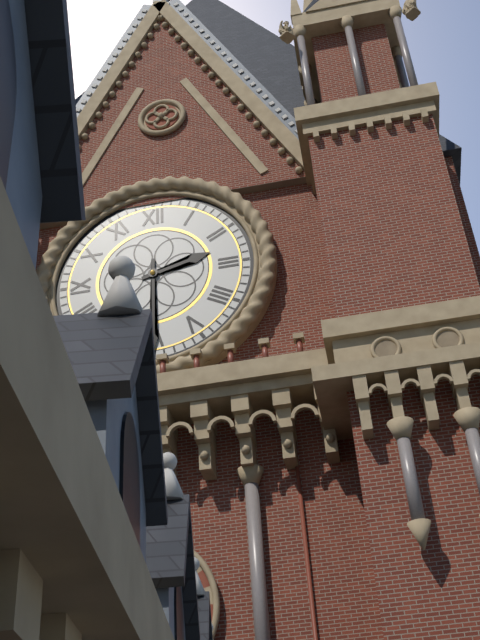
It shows **2:30**
